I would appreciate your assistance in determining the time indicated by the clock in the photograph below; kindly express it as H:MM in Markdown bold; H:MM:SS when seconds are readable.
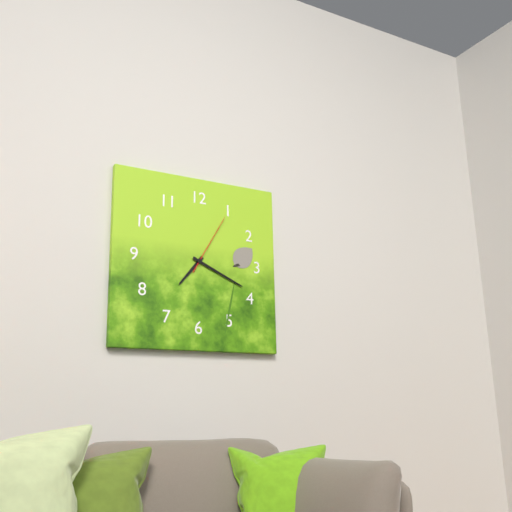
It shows **7:19:05**
